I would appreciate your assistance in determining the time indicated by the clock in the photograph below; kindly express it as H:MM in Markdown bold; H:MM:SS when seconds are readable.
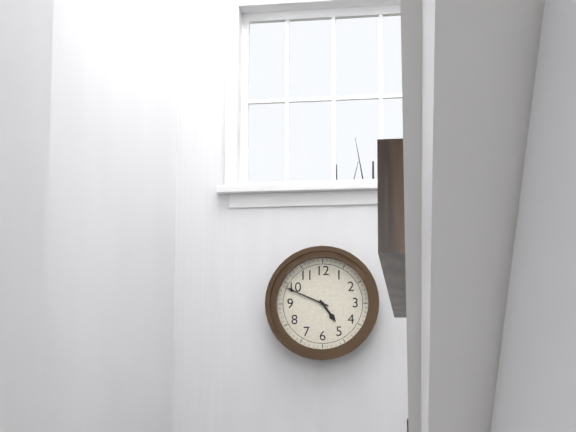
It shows **4:49**
